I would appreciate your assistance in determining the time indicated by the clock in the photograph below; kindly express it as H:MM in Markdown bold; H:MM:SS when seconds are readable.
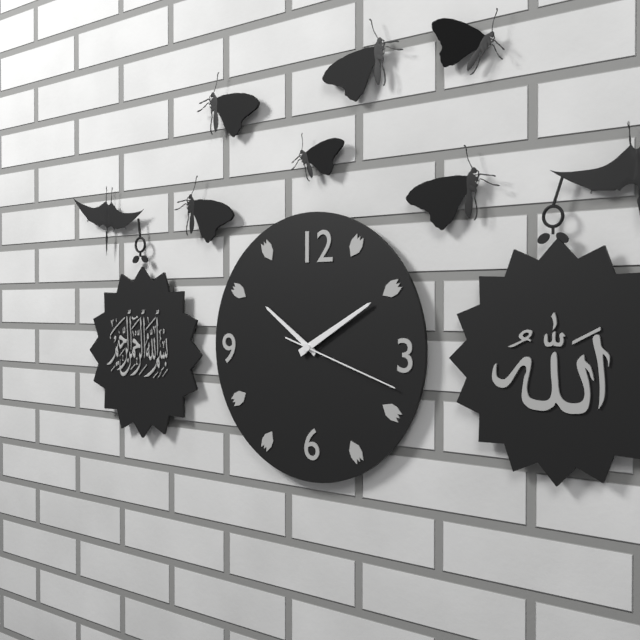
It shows **10:10:18**
